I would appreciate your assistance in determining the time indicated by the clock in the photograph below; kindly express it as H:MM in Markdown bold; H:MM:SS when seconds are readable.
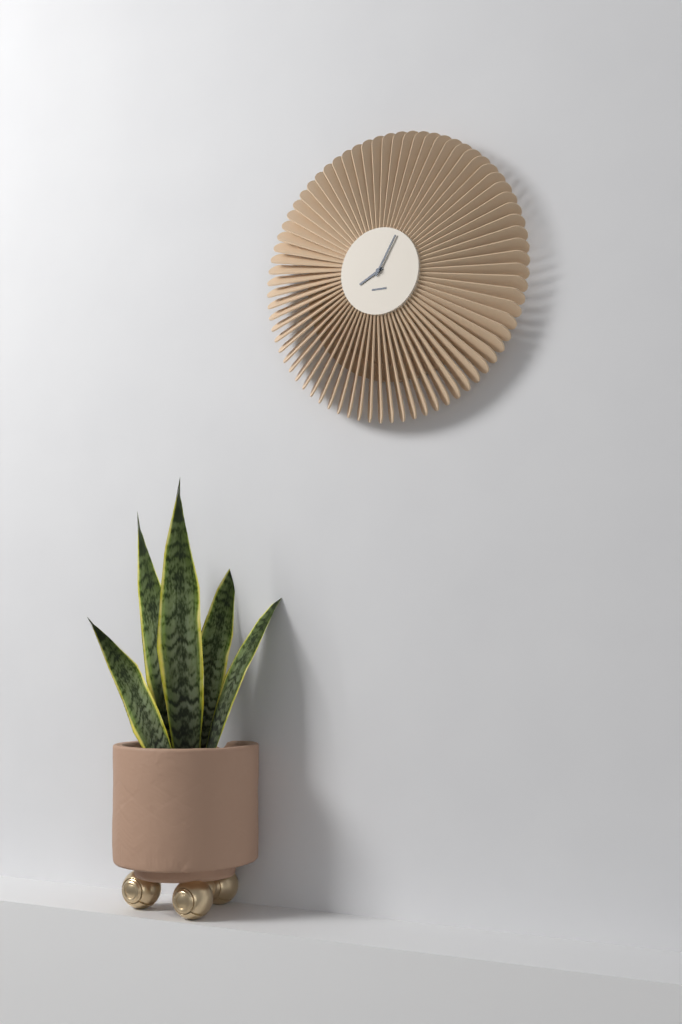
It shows **8:05**
